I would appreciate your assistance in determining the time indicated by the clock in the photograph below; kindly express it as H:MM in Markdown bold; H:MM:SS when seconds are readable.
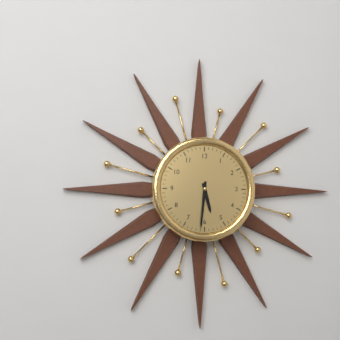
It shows **5:31**
